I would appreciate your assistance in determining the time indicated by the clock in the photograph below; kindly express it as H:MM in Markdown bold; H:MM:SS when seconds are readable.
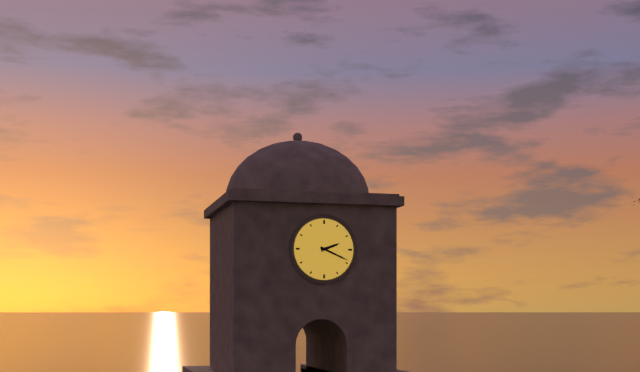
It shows **2:19**
